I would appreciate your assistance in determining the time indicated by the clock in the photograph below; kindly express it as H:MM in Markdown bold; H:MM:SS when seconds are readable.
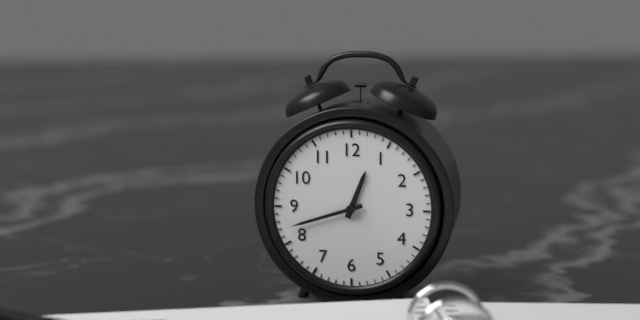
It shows **12:42**
